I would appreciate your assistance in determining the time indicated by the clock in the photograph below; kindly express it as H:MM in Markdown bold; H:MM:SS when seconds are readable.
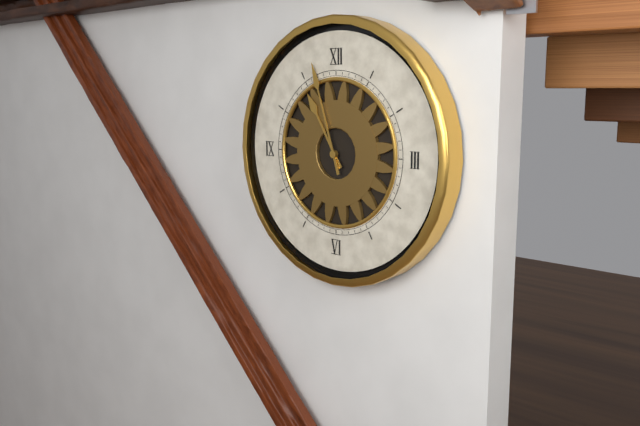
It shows **10:57**
